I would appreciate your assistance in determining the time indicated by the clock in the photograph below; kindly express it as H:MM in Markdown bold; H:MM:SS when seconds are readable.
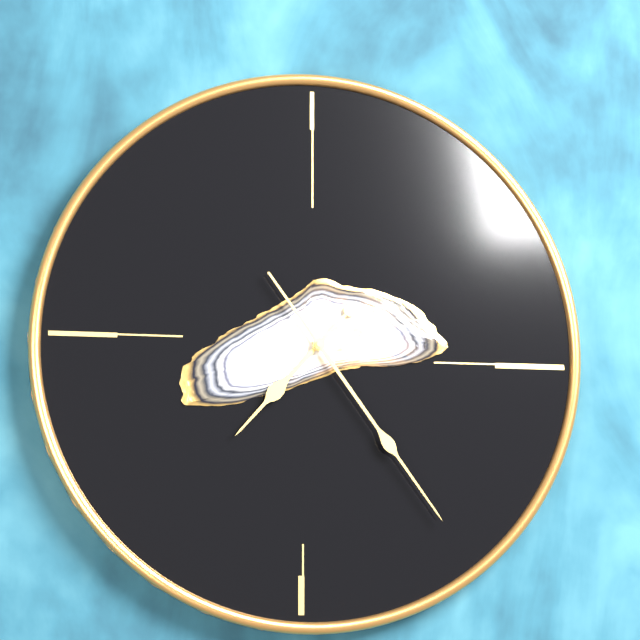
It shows **7:24**
